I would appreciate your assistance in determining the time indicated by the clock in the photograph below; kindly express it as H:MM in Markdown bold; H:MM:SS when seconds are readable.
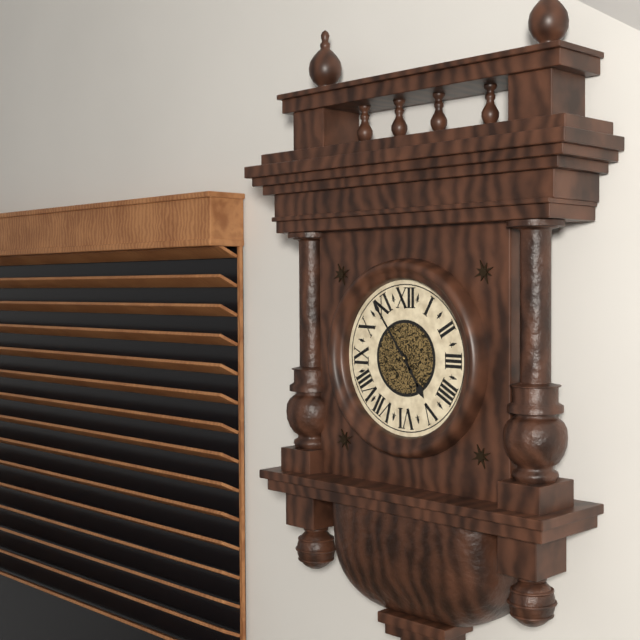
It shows **4:54**
